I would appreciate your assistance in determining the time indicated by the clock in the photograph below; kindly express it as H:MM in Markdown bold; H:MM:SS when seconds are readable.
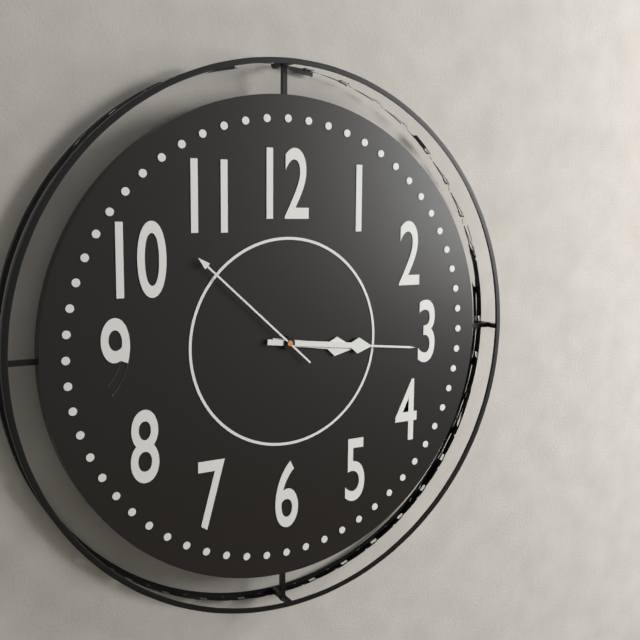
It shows **3:16:52**
